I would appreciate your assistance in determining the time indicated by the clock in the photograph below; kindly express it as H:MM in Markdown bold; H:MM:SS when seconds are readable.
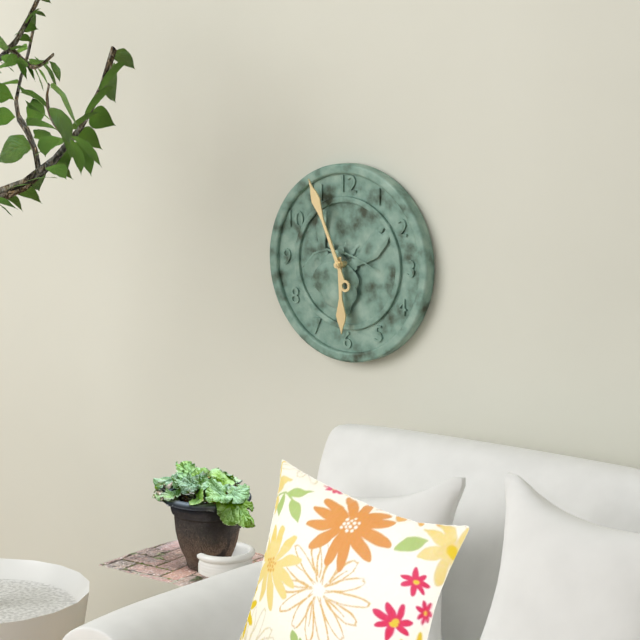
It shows **5:56**
